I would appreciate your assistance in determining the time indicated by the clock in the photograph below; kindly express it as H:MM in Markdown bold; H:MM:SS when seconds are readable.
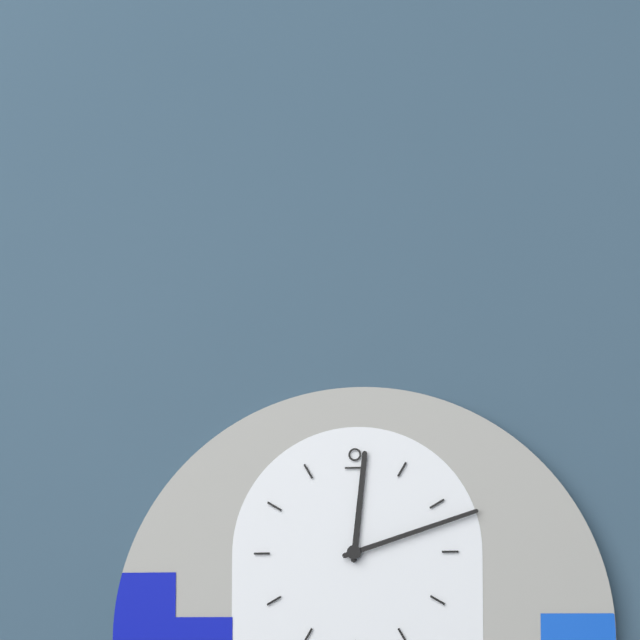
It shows **12:12**
